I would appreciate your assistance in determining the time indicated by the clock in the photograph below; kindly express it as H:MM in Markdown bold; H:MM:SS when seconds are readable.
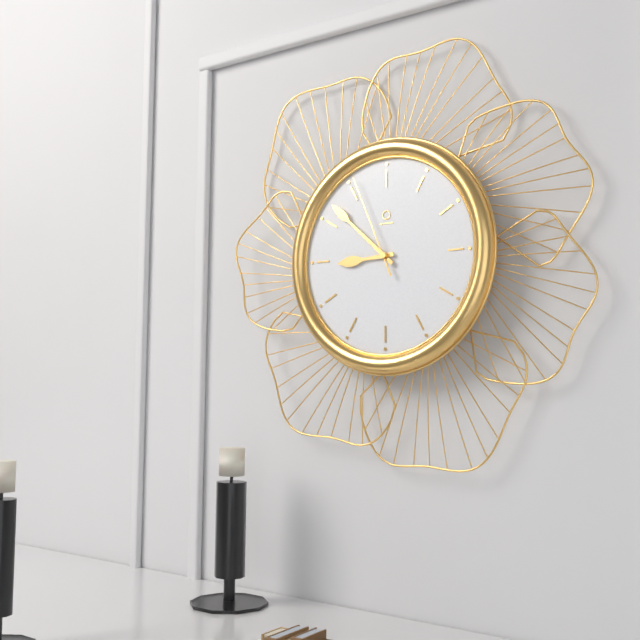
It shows **8:52:56**
